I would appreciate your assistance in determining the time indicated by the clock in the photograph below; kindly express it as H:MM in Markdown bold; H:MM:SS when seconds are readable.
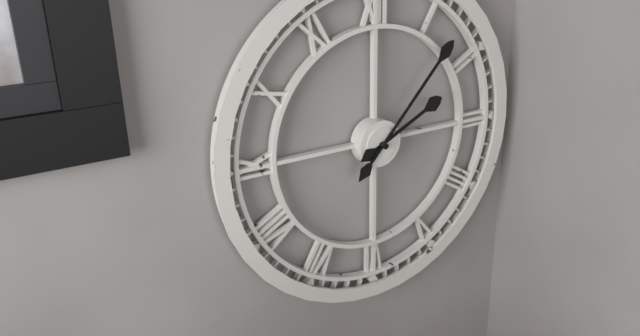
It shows **2:07**
